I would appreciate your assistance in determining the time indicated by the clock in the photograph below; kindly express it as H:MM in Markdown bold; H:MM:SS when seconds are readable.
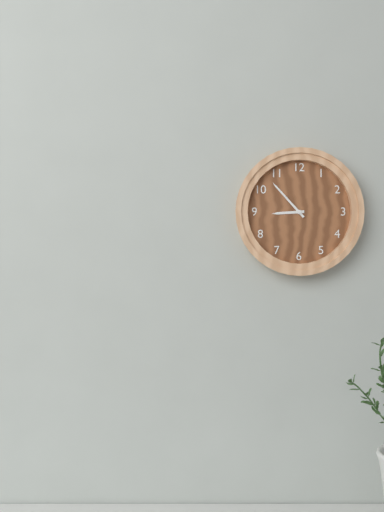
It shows **8:53**
